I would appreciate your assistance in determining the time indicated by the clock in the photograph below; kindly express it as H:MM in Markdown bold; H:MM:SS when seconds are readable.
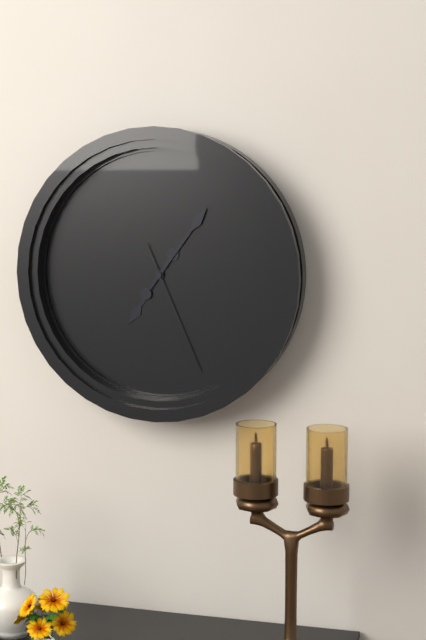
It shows **7:06:26**
